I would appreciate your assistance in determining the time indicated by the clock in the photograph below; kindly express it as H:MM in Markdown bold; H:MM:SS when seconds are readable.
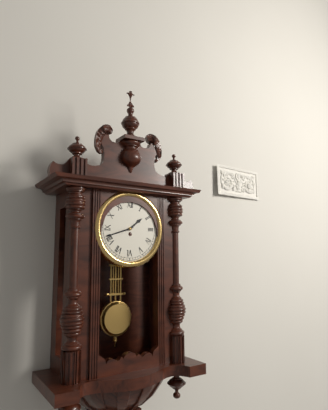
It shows **1:42**
